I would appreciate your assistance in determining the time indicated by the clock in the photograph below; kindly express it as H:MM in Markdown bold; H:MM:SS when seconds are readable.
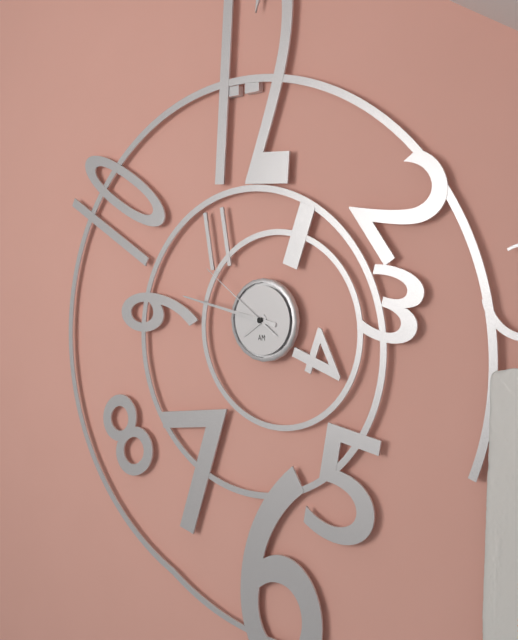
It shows **7:47:51**
